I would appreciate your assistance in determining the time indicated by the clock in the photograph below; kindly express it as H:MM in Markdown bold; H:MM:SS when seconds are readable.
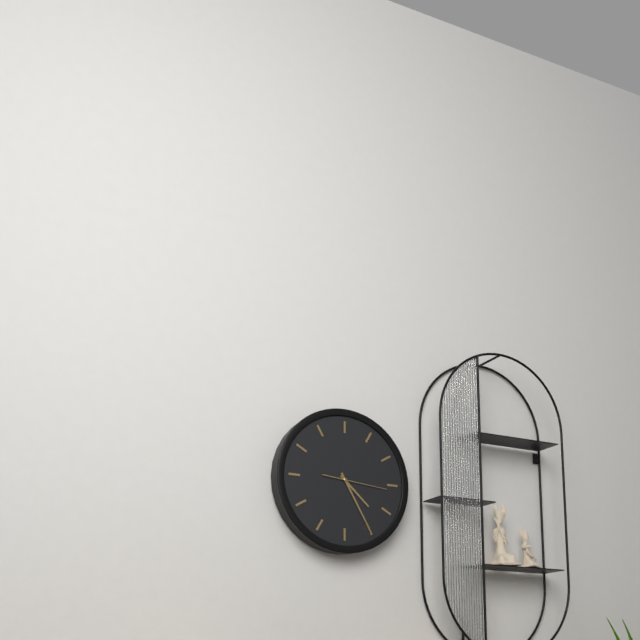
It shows **4:25:16**
